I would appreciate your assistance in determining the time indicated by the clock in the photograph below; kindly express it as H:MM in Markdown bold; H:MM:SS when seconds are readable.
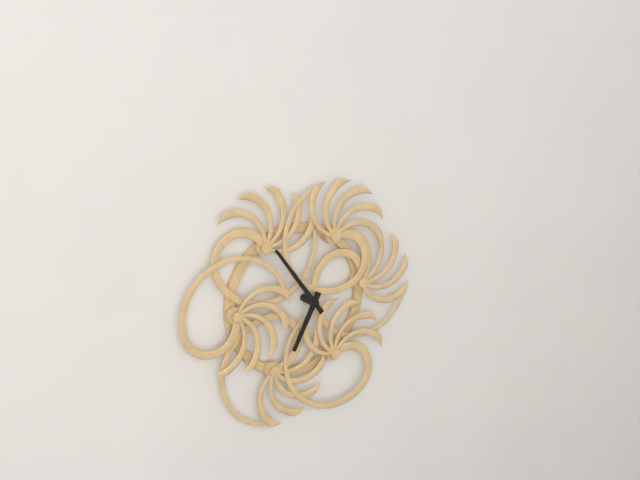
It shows **6:54**
